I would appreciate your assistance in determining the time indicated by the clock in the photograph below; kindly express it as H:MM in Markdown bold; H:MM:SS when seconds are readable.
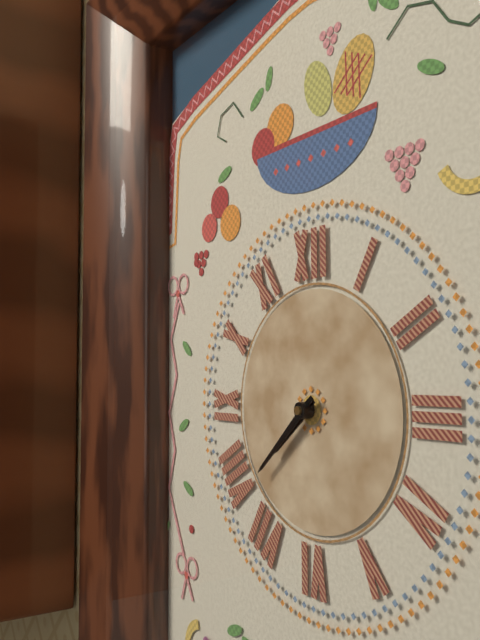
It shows **7:38**
